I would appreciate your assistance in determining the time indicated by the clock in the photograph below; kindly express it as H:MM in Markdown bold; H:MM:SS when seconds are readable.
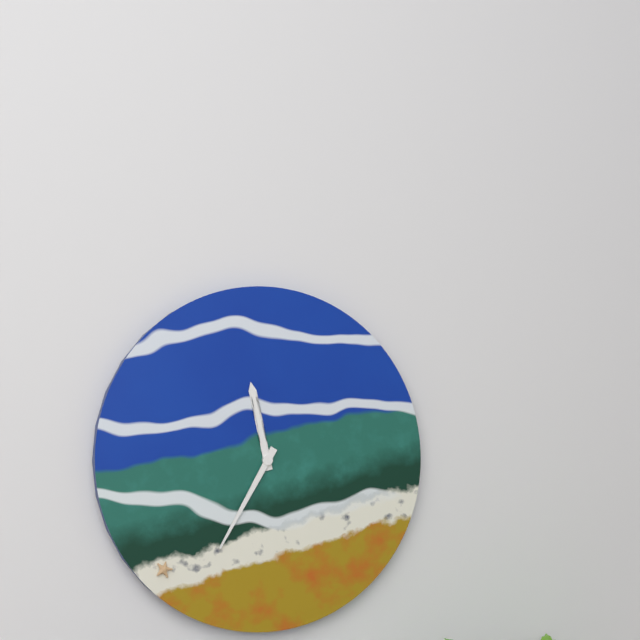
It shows **11:35**
